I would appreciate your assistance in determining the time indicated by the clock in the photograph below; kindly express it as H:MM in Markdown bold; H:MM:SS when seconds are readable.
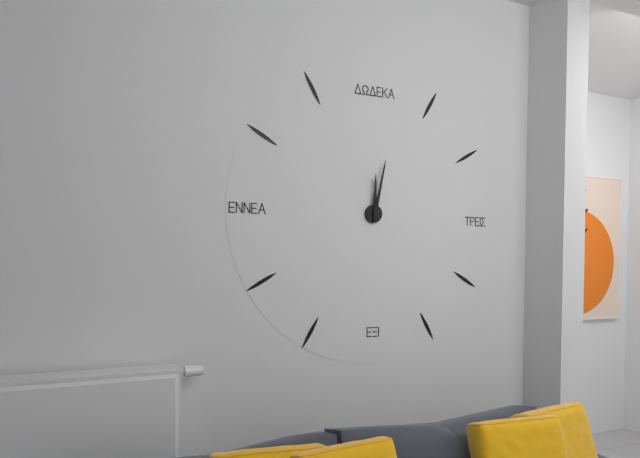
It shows **12:02**
